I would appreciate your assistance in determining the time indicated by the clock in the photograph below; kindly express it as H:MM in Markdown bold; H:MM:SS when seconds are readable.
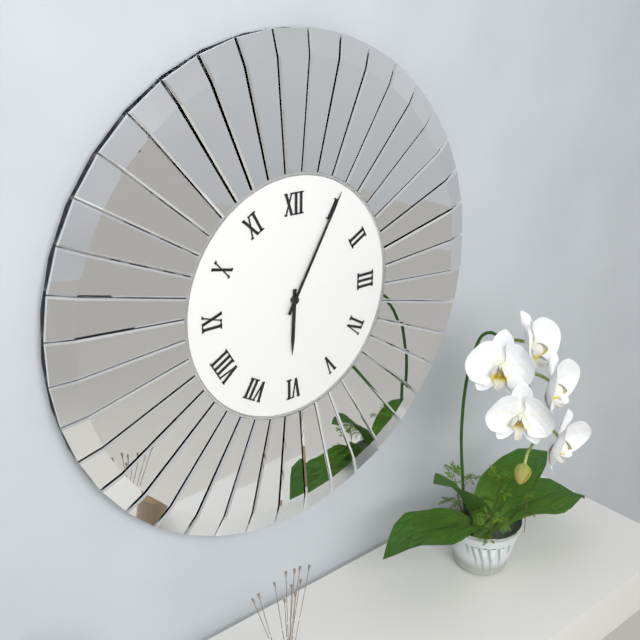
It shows **6:05**
